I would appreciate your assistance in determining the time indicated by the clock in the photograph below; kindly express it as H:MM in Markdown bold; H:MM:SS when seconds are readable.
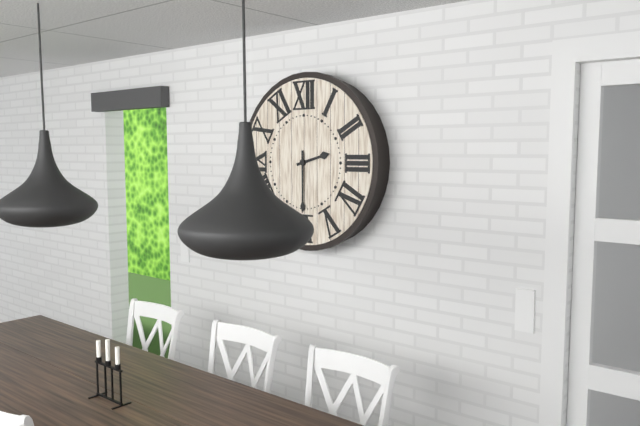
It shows **2:30**
